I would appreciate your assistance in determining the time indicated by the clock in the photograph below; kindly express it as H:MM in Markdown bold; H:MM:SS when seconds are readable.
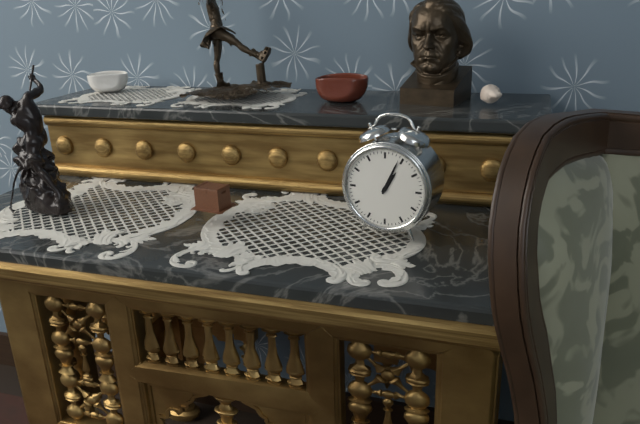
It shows **1:04**
